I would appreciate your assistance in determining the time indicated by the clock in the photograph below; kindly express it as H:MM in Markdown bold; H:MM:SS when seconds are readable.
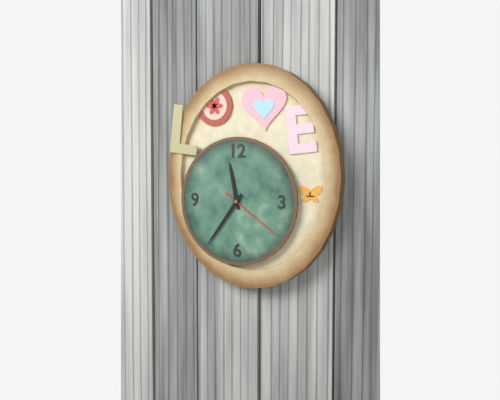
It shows **11:36:21**
